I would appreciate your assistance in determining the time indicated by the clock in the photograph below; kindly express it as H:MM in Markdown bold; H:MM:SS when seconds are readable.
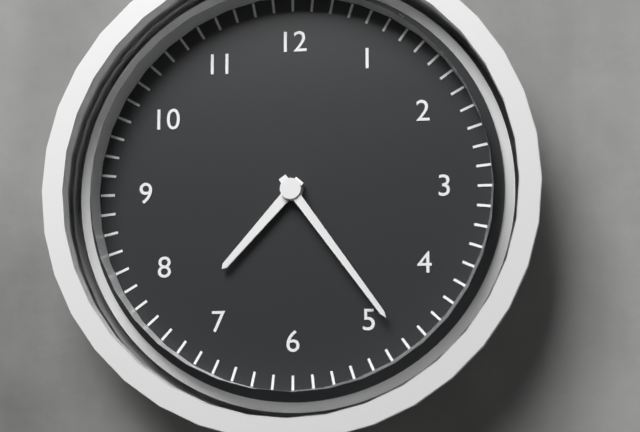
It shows **7:24**
